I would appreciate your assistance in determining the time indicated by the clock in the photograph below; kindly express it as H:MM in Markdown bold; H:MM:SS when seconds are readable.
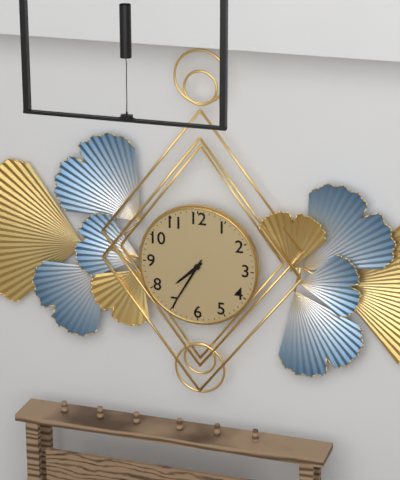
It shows **7:35**
